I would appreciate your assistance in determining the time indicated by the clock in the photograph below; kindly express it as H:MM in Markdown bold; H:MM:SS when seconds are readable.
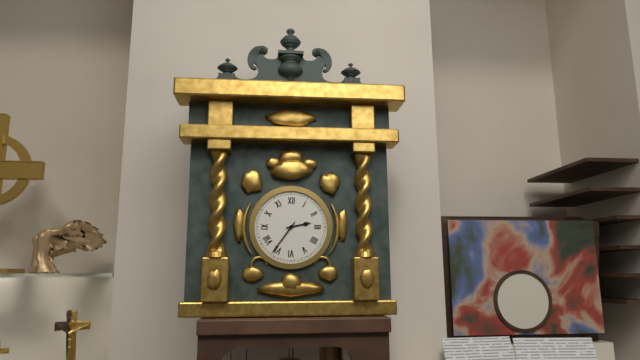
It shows **2:36**
